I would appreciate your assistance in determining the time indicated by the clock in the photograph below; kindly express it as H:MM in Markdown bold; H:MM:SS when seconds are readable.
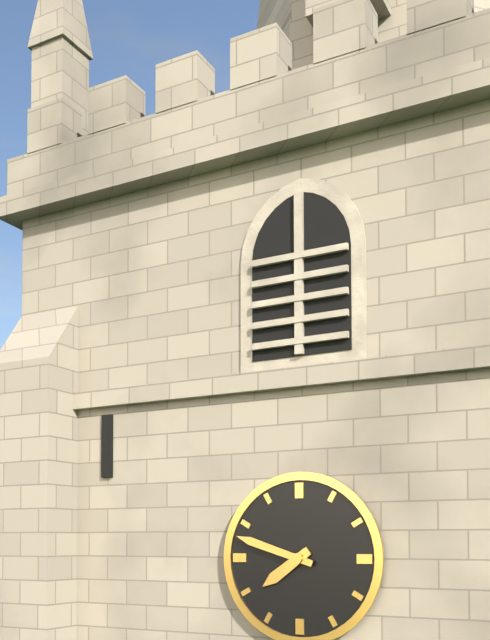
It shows **7:48**
